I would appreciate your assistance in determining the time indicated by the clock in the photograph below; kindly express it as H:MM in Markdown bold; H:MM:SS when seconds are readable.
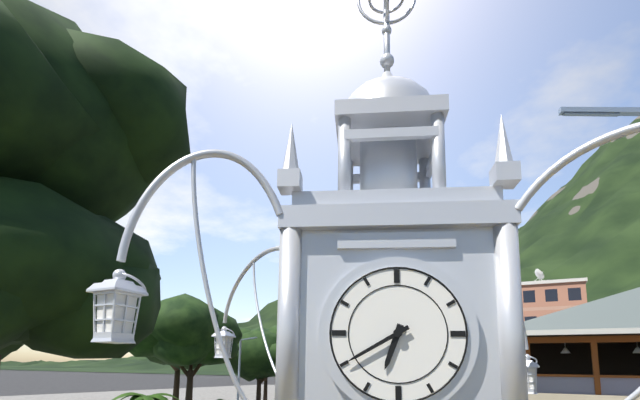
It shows **6:40**
